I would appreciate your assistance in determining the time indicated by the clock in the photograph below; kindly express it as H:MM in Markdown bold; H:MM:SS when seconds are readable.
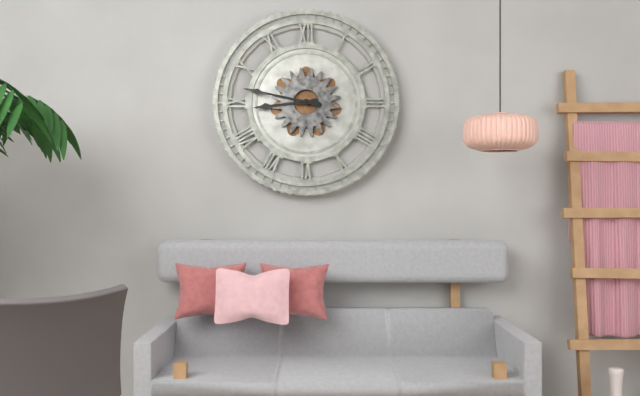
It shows **8:47**
